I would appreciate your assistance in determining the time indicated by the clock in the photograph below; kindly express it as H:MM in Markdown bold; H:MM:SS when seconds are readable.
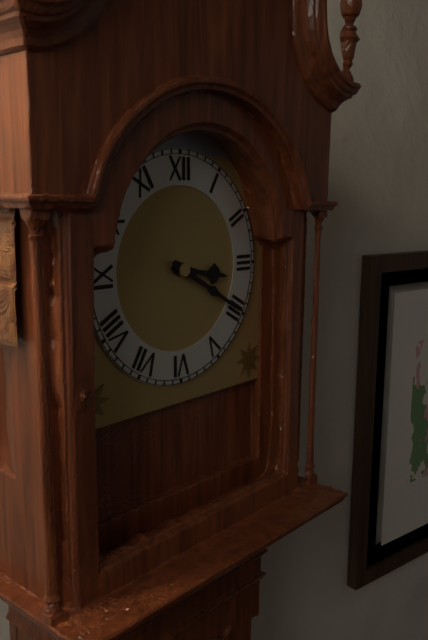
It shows **3:20**
